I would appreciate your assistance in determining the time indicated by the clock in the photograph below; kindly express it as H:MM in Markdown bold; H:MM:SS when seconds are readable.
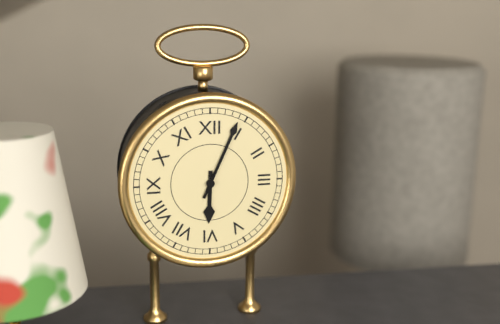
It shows **6:04**
